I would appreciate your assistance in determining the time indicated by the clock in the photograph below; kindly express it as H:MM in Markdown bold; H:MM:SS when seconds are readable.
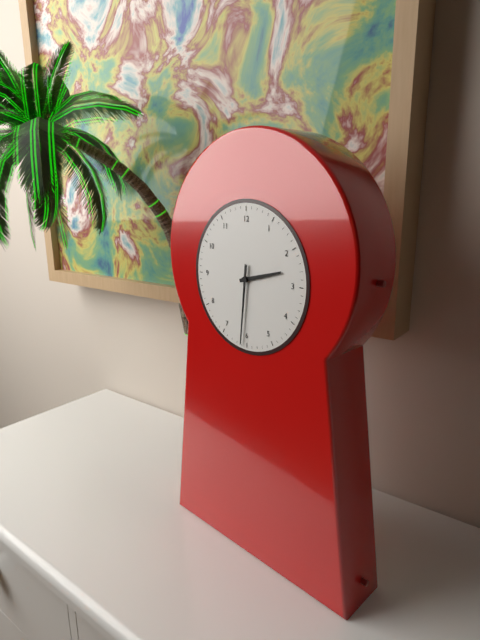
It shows **2:31**
